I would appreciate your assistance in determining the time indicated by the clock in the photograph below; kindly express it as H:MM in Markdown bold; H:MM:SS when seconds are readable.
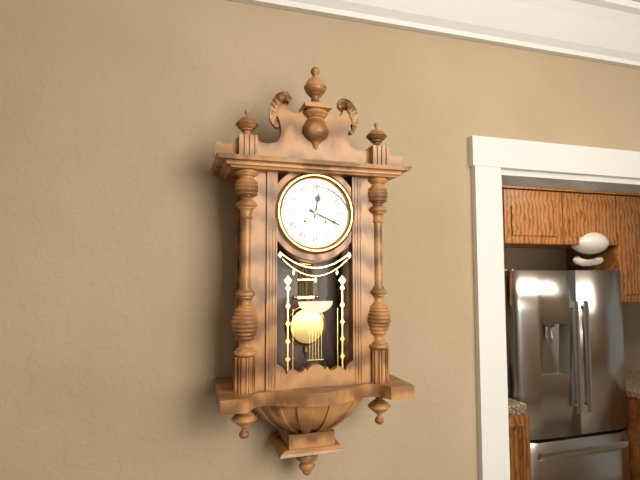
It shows **12:19**
